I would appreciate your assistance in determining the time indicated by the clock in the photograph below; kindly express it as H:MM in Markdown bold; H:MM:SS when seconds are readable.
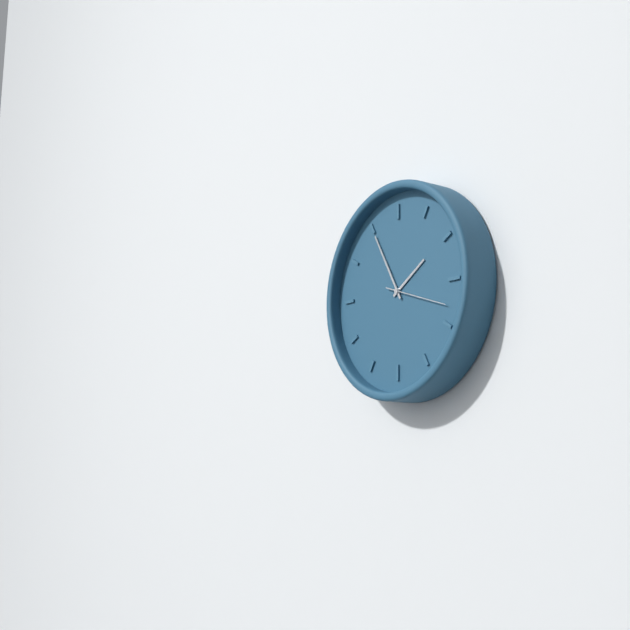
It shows **1:55:18**
